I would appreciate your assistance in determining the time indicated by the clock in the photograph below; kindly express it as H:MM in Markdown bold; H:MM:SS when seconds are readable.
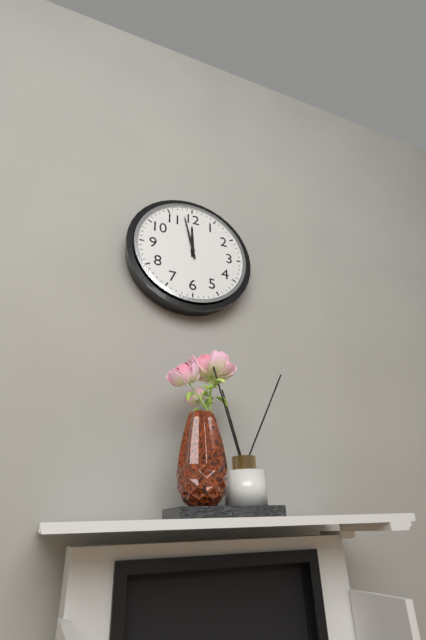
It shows **11:58**
